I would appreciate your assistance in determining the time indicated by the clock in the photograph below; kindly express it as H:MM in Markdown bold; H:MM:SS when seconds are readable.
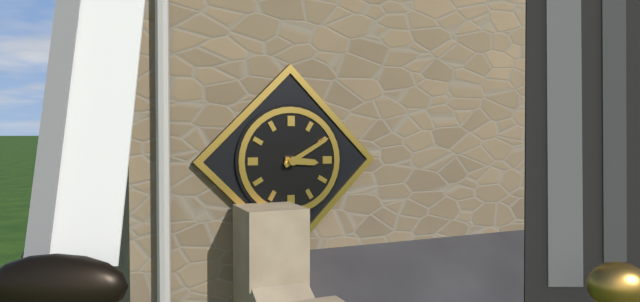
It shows **3:10**
